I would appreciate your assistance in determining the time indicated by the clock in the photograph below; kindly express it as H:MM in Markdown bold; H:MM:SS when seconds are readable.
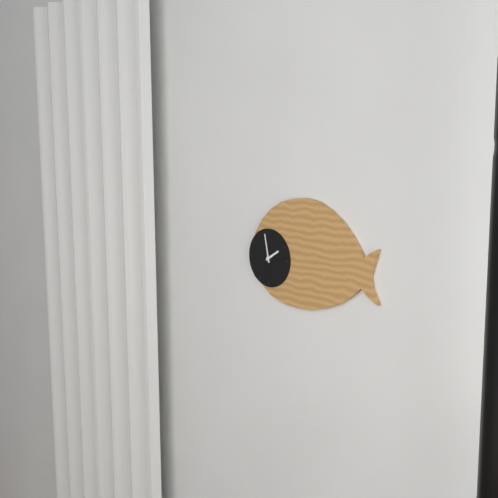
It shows **1:58**
